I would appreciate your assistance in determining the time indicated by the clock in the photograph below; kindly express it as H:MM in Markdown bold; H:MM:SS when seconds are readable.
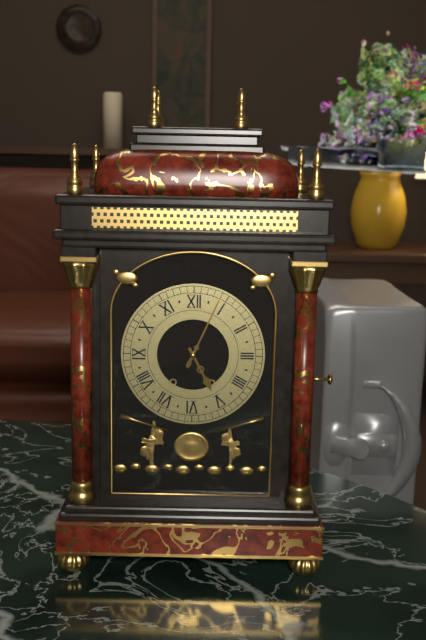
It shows **5:04**
